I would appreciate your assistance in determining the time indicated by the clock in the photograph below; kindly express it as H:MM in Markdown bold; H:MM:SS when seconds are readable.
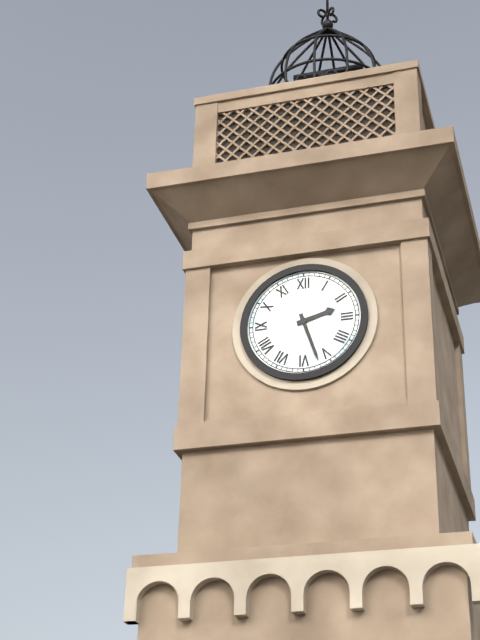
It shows **2:27**
